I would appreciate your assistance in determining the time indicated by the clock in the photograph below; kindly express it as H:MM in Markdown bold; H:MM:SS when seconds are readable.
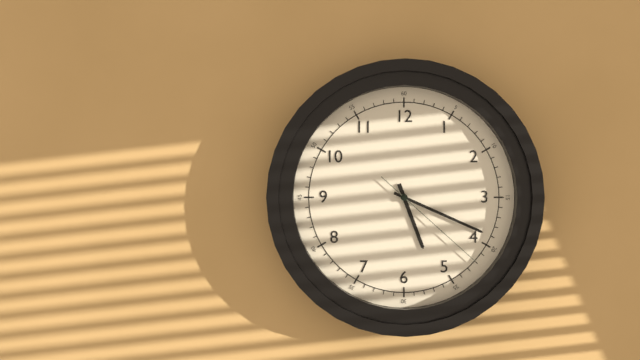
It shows **5:19:22**
